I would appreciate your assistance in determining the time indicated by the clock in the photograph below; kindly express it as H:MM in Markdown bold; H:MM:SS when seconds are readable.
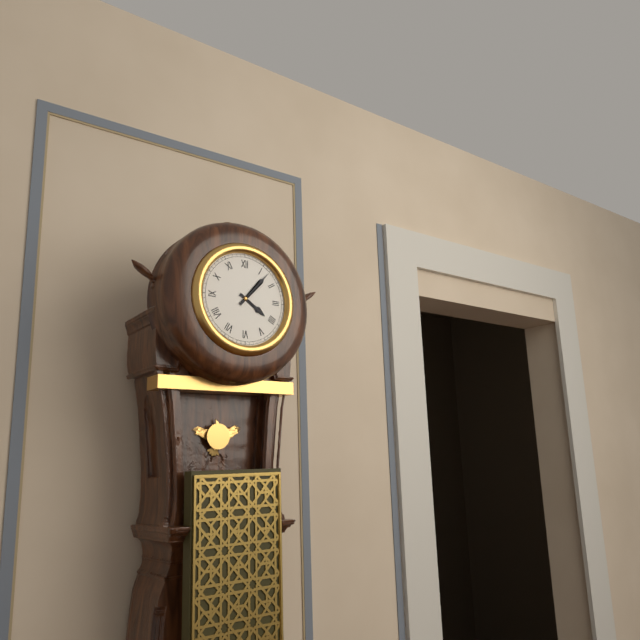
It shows **4:07**
